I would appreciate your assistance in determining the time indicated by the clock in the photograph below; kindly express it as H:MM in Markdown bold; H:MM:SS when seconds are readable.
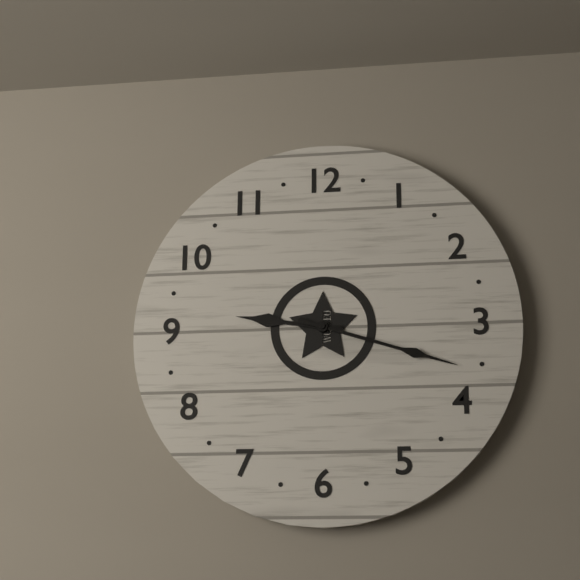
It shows **9:18**
